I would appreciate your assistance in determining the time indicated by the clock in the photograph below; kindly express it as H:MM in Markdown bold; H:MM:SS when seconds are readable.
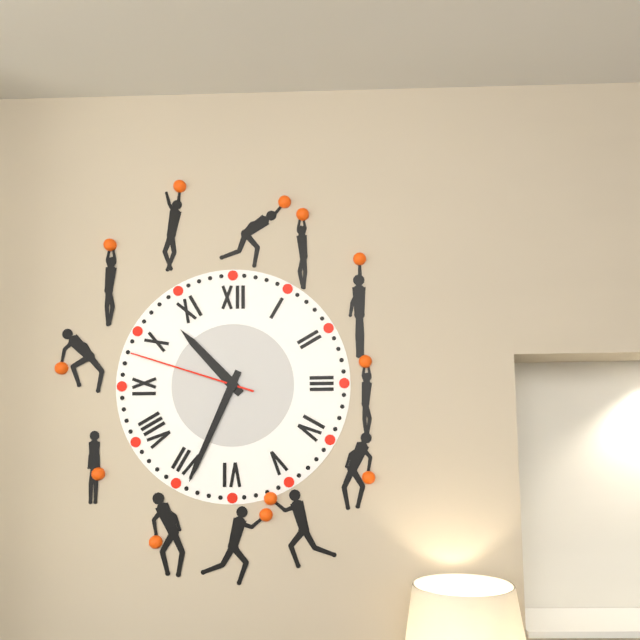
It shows **10:34:48**
